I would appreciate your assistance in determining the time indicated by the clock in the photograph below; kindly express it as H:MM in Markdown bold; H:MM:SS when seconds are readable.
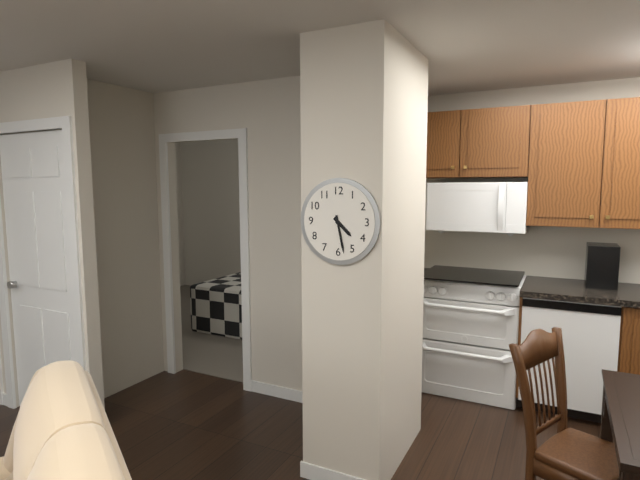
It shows **4:28**
